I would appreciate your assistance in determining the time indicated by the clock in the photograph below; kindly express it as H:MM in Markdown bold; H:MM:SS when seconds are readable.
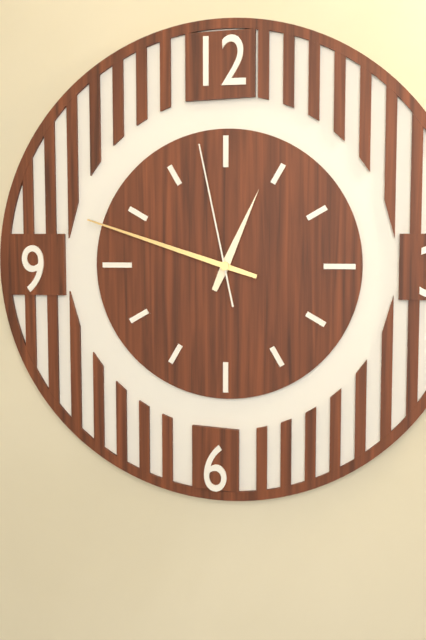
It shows **12:48:58**
